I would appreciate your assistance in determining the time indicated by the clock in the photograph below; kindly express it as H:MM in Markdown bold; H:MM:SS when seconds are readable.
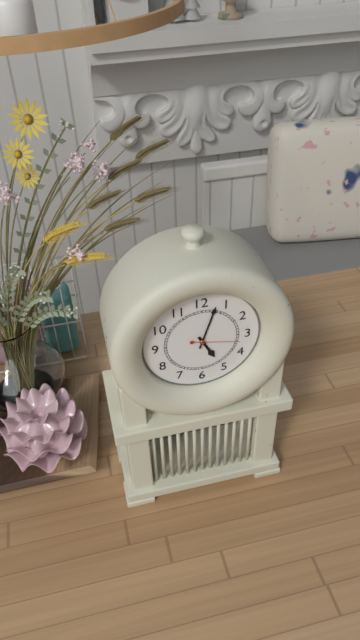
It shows **5:03**
